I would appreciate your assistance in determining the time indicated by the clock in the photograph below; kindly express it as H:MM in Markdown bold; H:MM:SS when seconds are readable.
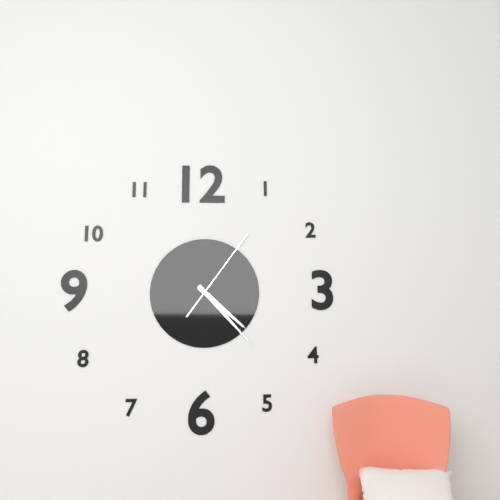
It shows **4:23:06**
